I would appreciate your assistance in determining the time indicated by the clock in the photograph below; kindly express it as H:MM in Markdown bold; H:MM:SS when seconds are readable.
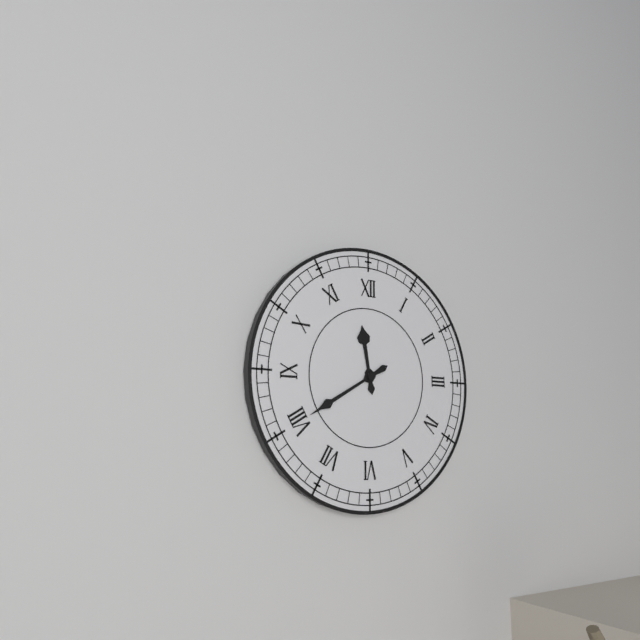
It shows **11:40**
